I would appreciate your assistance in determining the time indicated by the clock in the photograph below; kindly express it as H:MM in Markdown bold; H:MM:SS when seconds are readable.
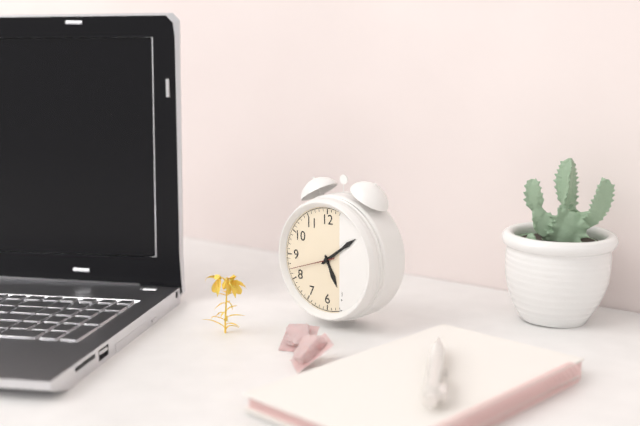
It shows **5:09**
